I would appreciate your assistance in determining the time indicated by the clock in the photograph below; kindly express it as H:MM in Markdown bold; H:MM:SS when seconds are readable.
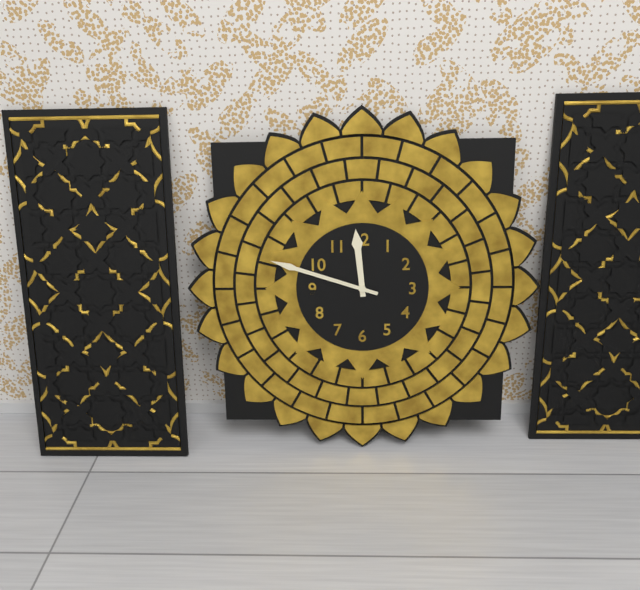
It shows **11:48**
